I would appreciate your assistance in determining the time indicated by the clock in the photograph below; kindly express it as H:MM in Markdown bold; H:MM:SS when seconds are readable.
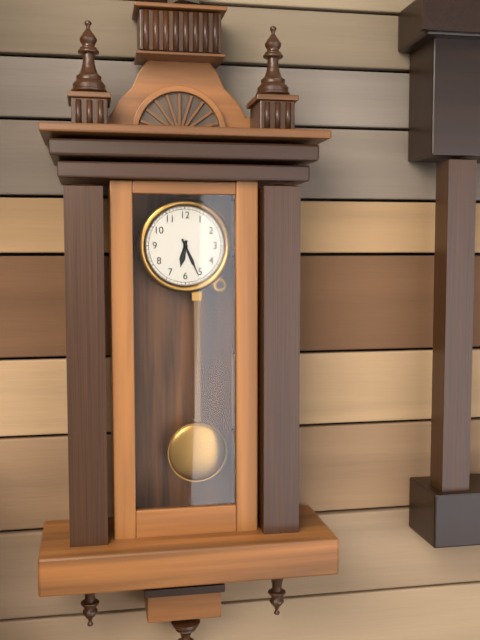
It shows **6:26**
